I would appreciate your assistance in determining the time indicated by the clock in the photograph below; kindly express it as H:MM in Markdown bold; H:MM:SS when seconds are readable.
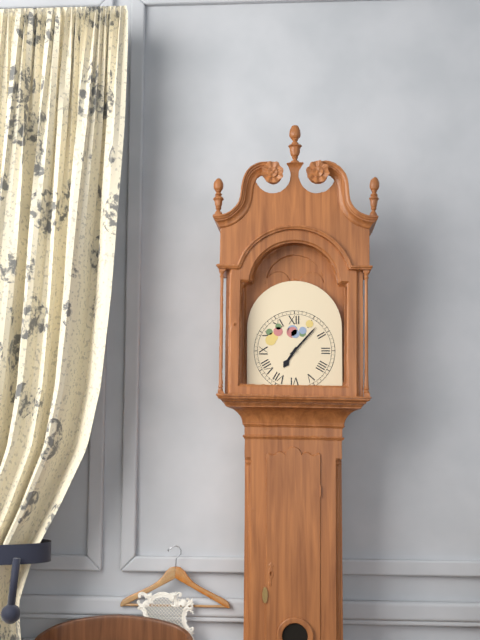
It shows **7:07**
